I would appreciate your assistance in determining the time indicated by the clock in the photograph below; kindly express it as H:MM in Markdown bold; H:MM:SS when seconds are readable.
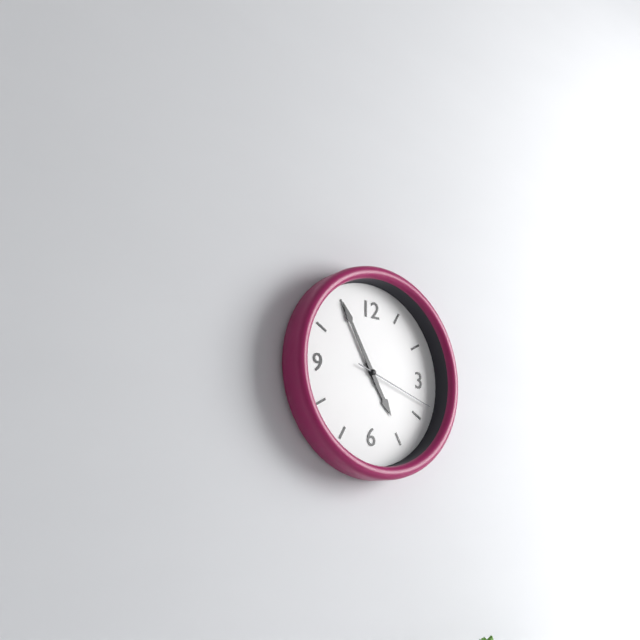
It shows **4:55:18**
